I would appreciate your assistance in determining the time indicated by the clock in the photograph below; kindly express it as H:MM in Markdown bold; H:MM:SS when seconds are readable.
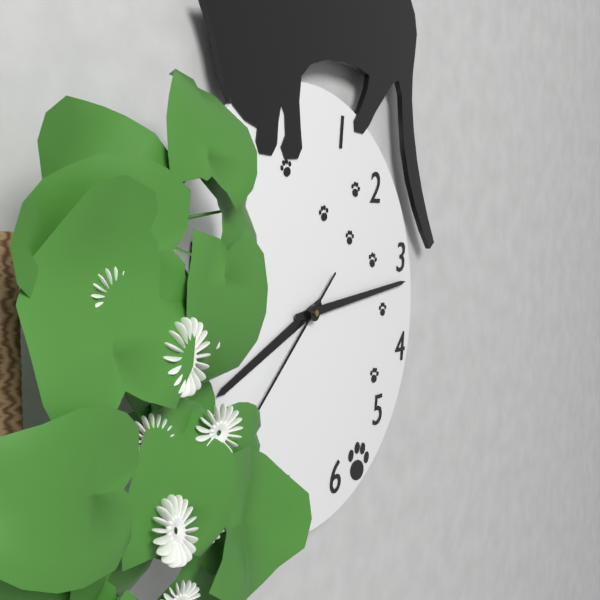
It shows **8:14**
